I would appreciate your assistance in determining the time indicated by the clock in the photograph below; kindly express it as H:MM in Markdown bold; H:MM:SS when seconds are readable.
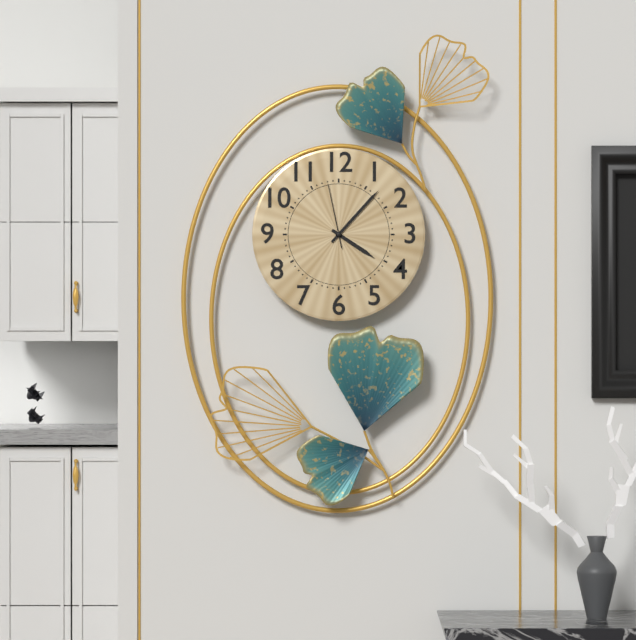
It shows **4:07:58**
